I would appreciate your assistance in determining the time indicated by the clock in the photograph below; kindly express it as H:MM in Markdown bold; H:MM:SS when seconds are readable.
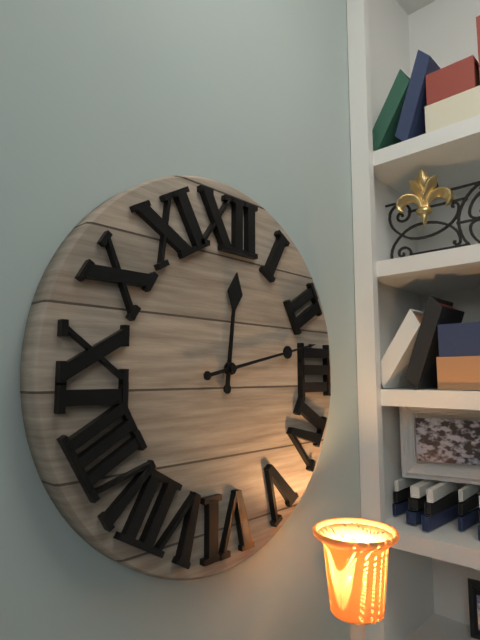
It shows **12:13**
